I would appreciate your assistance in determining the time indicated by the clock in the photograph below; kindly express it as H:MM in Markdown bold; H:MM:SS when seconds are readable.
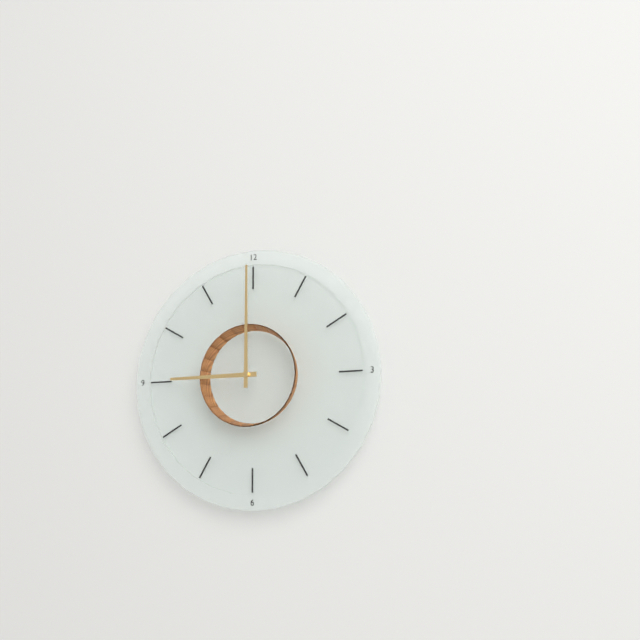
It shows **9:00**
